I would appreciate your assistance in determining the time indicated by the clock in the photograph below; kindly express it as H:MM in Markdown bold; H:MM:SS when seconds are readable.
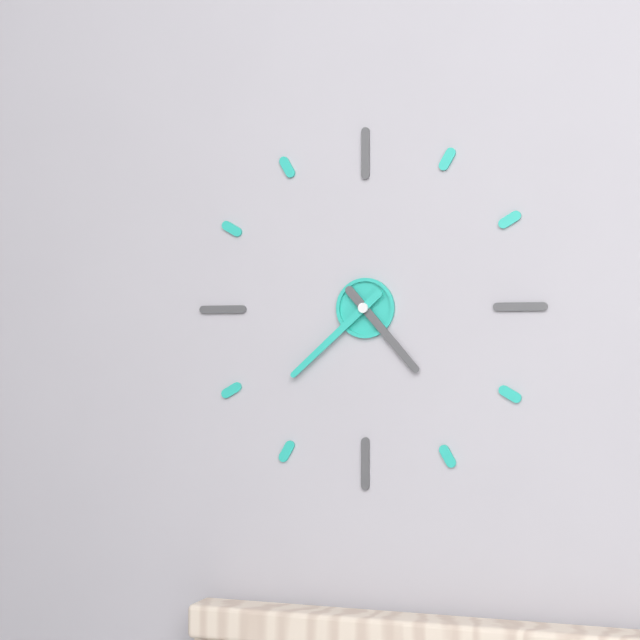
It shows **4:38**
